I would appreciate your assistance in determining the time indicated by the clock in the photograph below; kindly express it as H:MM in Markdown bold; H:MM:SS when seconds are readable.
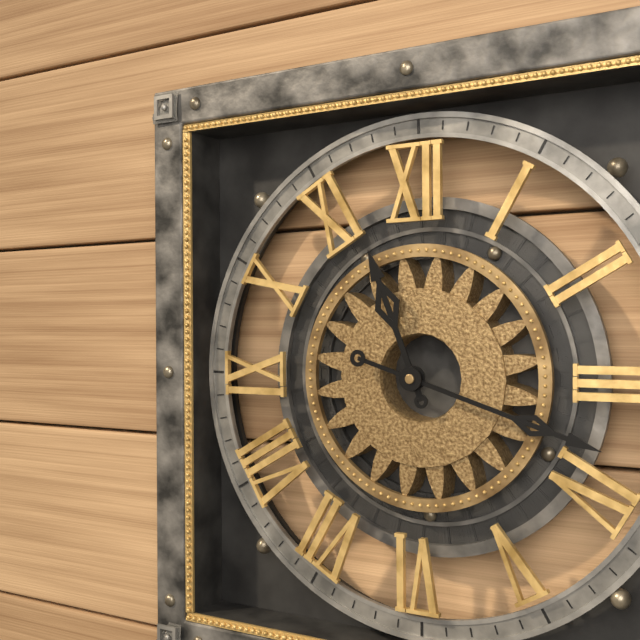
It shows **11:18**
